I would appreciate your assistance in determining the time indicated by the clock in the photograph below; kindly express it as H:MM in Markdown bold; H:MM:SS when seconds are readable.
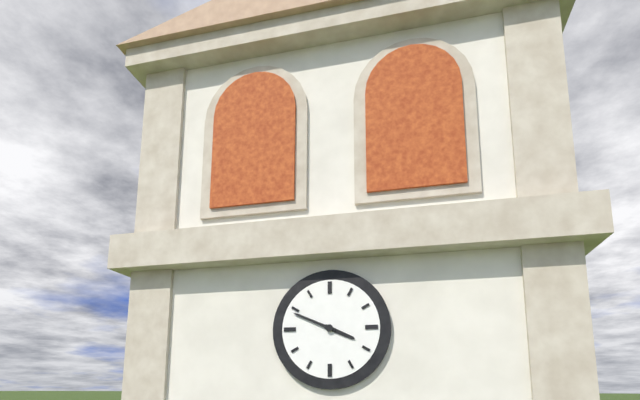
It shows **3:49**
